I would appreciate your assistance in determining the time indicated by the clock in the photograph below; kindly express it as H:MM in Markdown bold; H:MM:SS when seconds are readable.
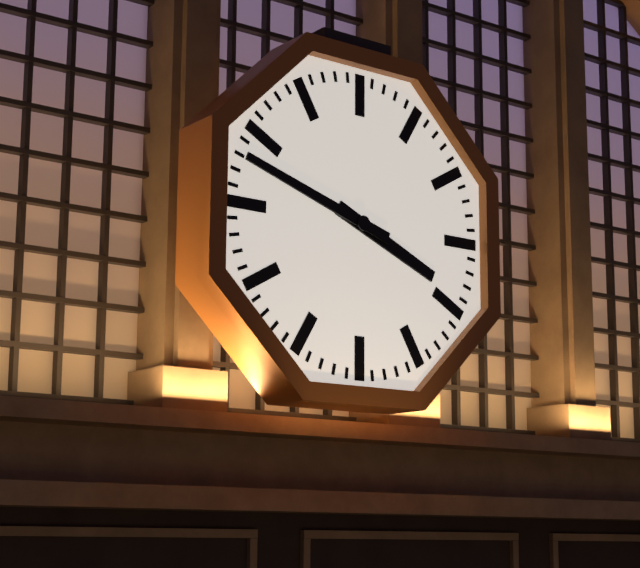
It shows **3:48**
